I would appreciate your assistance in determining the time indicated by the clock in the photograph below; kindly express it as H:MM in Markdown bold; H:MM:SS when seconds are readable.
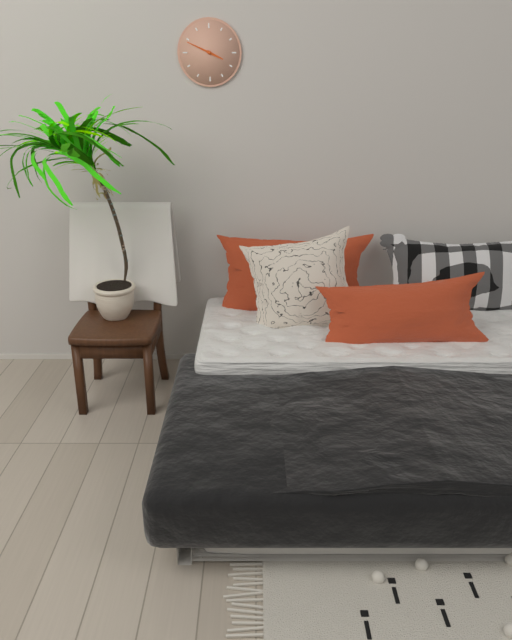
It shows **3:49**
